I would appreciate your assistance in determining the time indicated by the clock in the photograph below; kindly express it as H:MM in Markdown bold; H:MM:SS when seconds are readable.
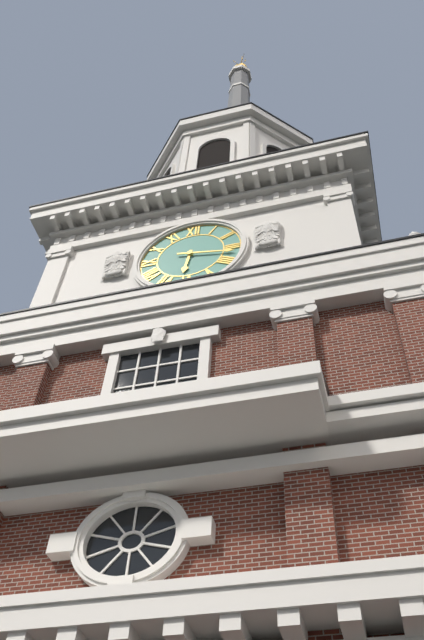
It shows **6:17**
